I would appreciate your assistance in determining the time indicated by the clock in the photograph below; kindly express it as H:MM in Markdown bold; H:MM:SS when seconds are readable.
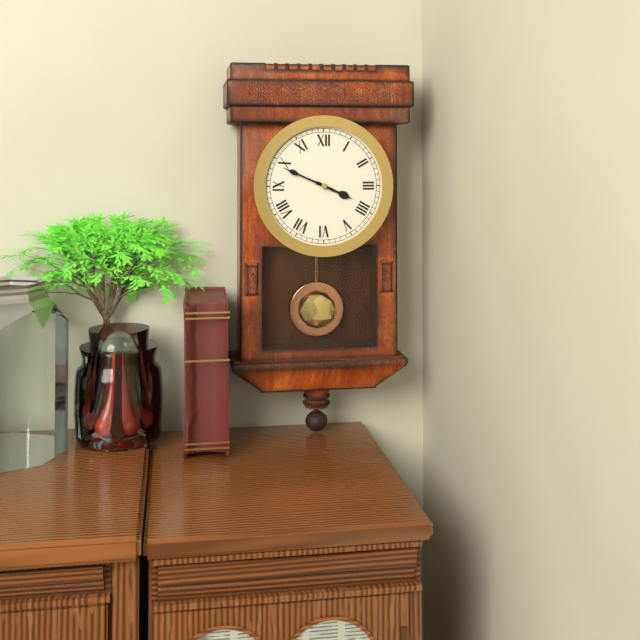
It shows **3:49**
